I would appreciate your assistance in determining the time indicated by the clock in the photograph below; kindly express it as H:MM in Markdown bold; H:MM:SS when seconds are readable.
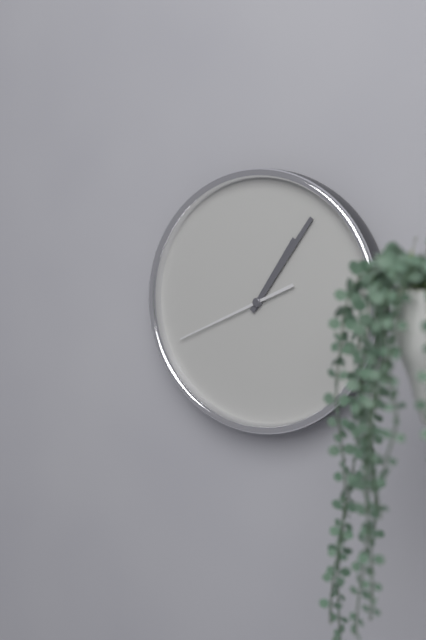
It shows **1:06:41**
